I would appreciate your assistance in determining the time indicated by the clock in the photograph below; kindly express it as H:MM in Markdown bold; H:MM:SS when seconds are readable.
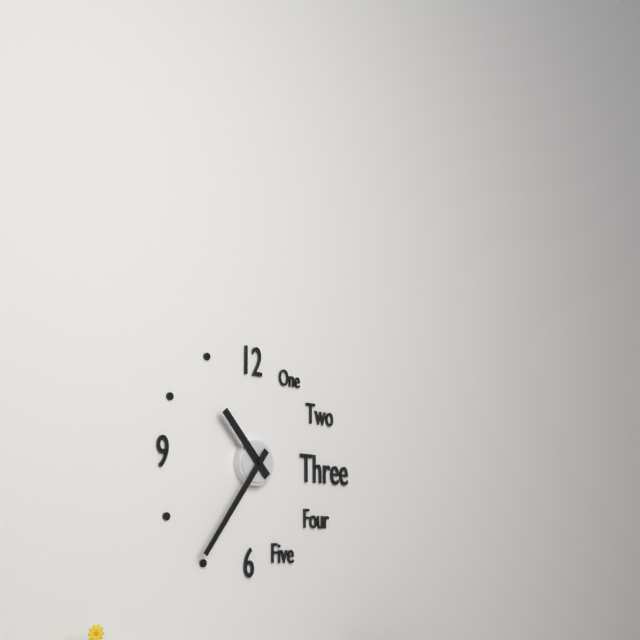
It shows **10:36**
